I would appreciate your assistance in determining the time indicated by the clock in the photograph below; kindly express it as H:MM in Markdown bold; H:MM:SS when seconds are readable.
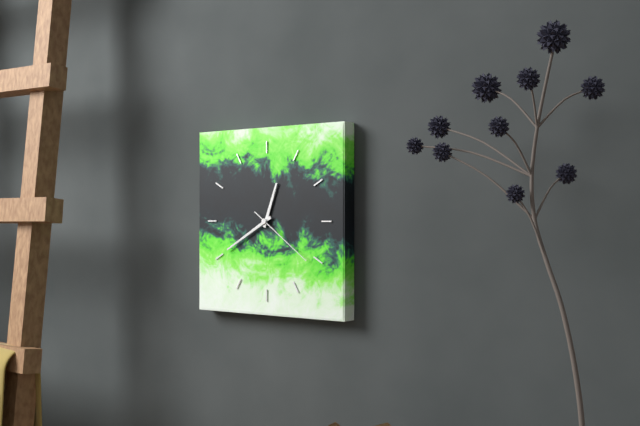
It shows **12:40:21**
